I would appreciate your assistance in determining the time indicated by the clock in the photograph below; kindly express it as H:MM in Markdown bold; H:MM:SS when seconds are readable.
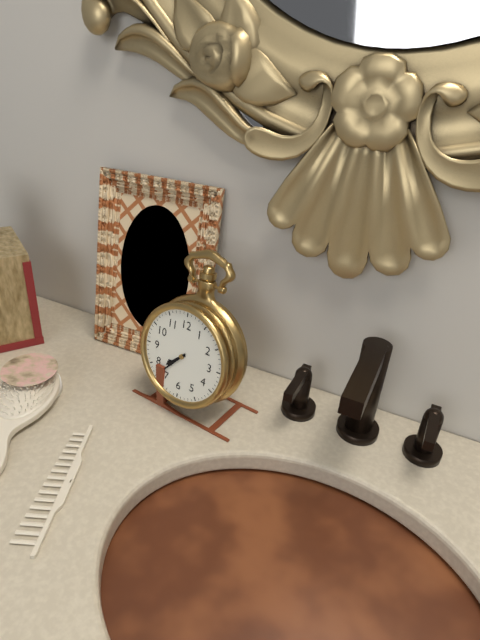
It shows **7:37**
